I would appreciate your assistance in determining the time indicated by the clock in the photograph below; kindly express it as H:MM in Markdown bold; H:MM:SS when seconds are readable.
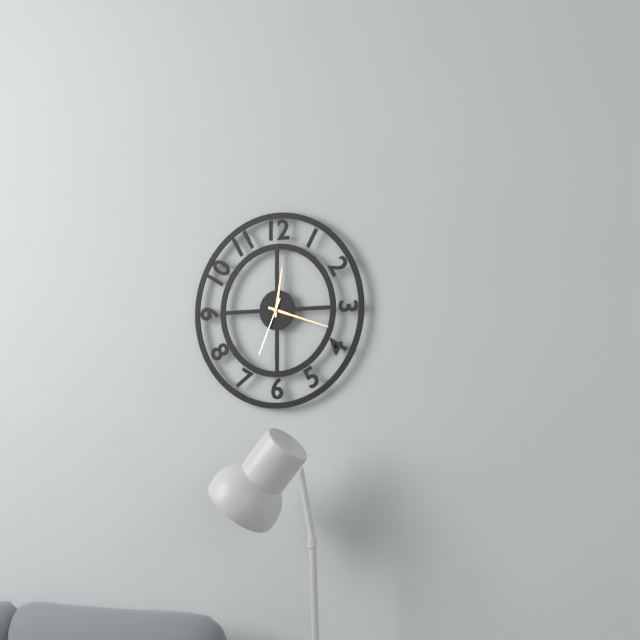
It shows **12:18:34**
